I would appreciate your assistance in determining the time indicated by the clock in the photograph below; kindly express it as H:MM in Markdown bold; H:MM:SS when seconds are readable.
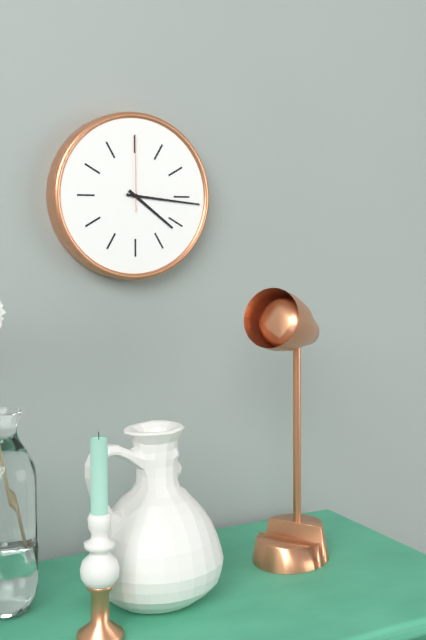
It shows **4:16:00**
